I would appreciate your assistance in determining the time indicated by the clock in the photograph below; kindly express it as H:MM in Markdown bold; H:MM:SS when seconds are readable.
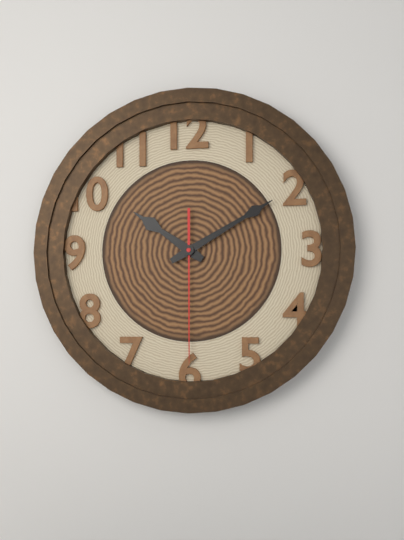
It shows **10:10:30**
